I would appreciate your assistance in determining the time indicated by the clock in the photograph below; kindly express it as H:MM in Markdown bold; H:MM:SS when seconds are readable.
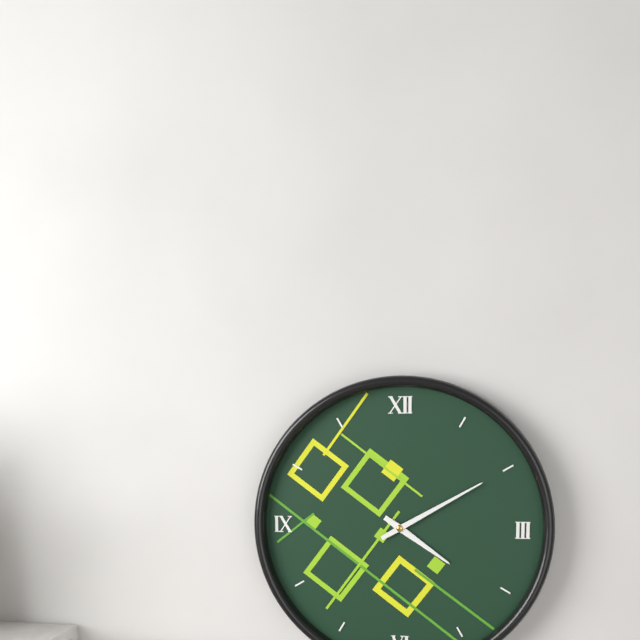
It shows **4:10**
